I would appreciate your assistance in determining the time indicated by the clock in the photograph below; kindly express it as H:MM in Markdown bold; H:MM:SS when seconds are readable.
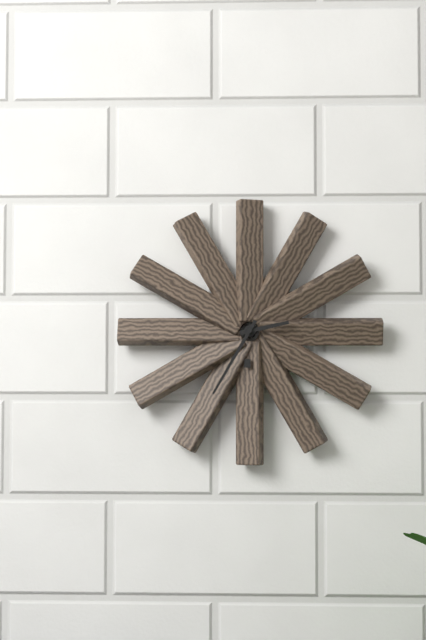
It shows **2:35**
